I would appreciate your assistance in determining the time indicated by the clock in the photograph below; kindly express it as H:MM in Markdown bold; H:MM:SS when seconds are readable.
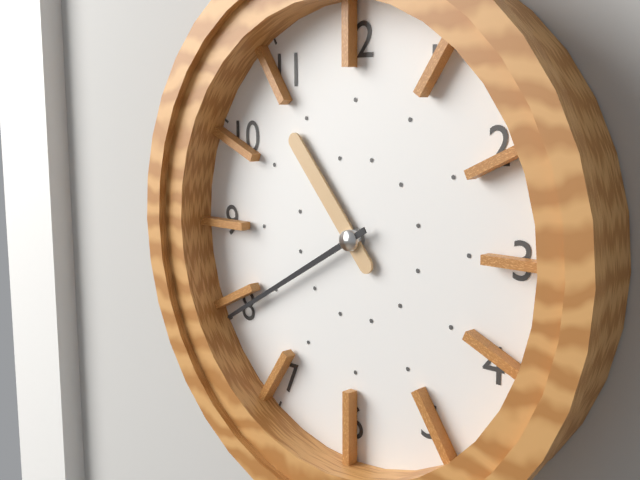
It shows **10:40**
